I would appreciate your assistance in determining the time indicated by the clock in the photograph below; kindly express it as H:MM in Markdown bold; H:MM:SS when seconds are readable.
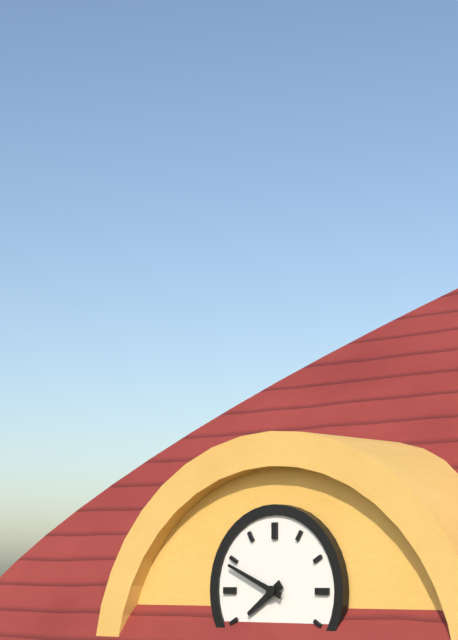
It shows **7:49**
